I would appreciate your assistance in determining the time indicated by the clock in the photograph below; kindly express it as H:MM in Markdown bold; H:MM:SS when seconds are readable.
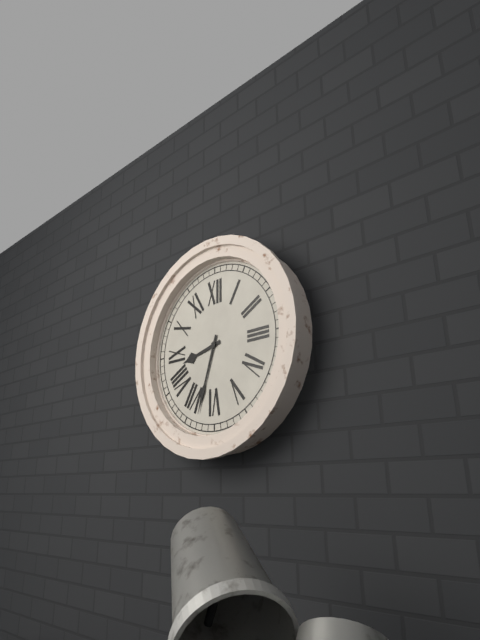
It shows **8:33**
